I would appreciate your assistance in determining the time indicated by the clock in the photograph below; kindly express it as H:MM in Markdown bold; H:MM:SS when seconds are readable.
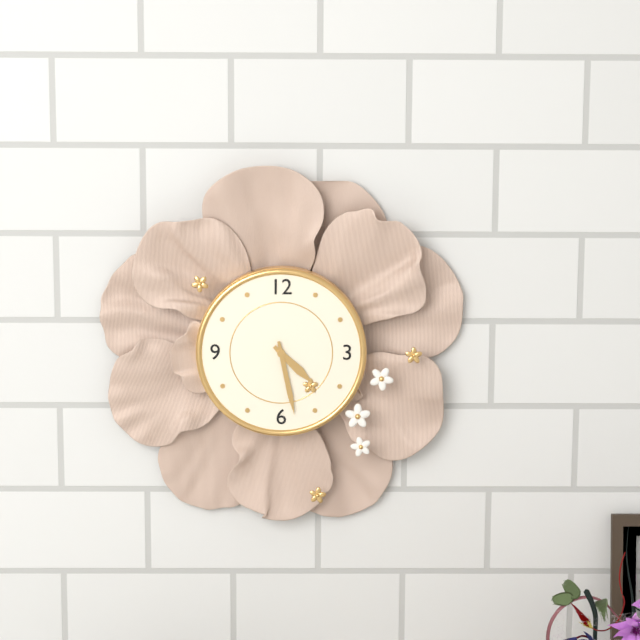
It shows **4:28**
